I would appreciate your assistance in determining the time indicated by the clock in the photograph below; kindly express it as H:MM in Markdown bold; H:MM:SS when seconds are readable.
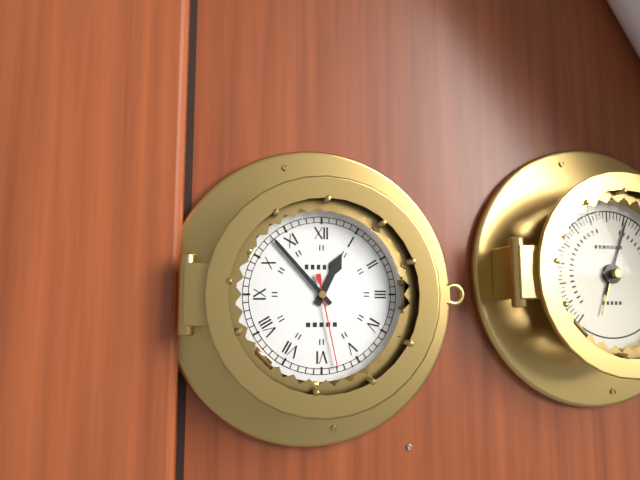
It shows **12:53:28**
